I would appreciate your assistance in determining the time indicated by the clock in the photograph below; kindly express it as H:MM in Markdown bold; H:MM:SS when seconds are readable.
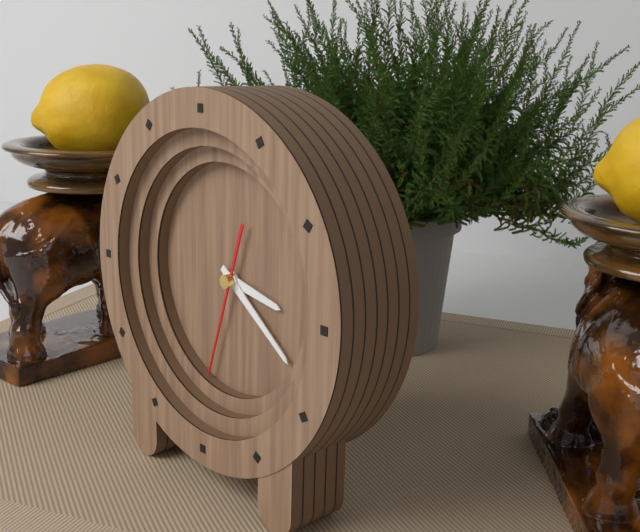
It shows **3:21:33**
